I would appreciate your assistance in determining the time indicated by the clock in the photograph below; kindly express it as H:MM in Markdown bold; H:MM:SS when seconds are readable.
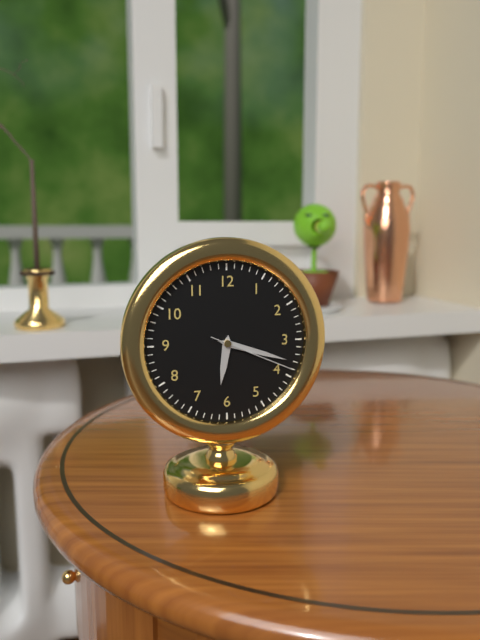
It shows **6:18:19**
